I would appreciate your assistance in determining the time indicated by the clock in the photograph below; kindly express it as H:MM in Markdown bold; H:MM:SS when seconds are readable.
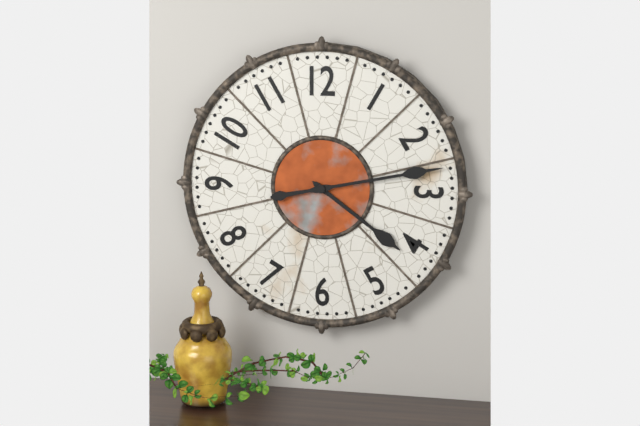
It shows **4:13**
